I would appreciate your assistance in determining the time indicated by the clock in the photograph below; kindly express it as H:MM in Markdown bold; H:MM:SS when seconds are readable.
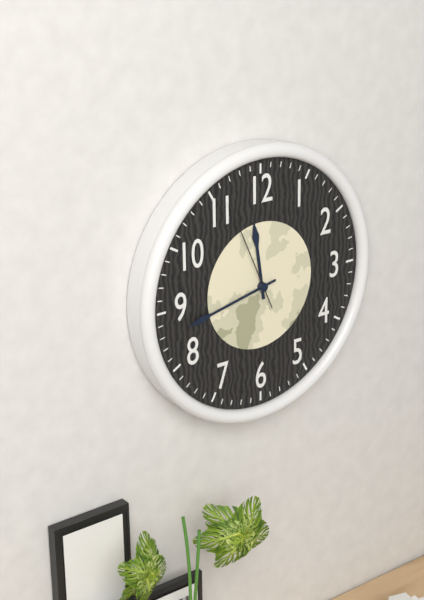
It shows **11:43:56**
